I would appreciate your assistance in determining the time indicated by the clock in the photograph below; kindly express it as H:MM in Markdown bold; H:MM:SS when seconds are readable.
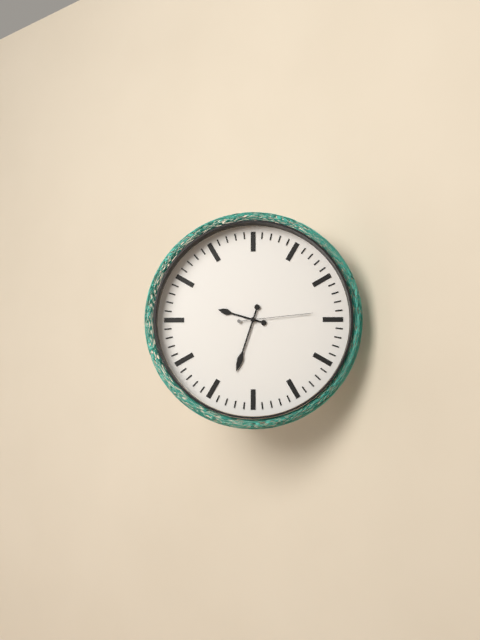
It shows **9:33:14**
